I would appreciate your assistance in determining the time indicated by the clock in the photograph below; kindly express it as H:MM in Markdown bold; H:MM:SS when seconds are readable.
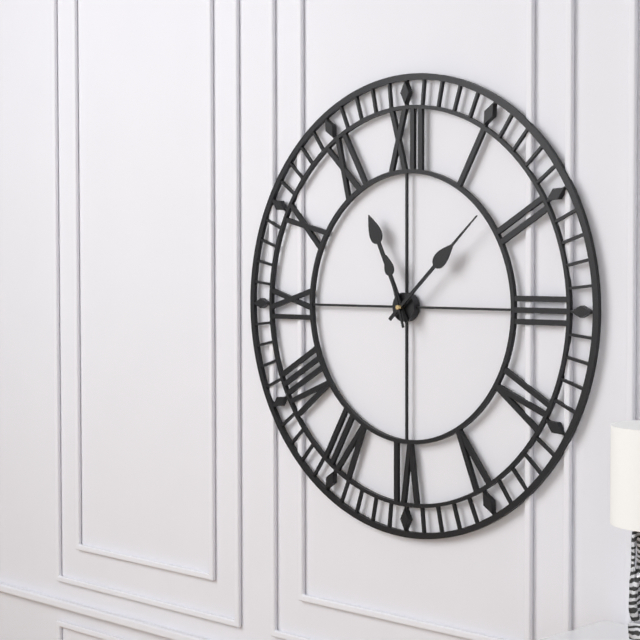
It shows **11:08:57**
